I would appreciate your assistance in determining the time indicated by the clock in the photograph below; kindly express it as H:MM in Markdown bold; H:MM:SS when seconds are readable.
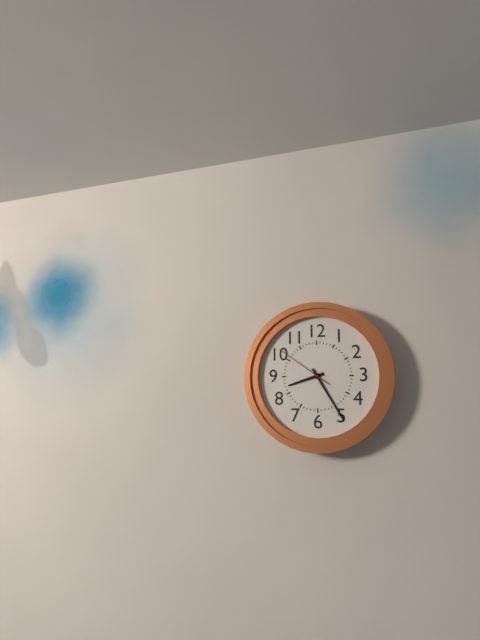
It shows **8:25:51**
